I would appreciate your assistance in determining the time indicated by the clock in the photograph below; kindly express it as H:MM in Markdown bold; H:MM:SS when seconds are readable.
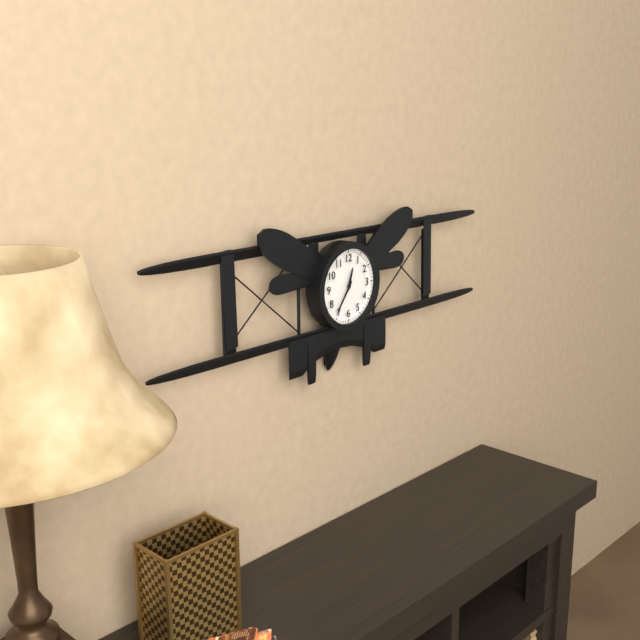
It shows **12:36**
